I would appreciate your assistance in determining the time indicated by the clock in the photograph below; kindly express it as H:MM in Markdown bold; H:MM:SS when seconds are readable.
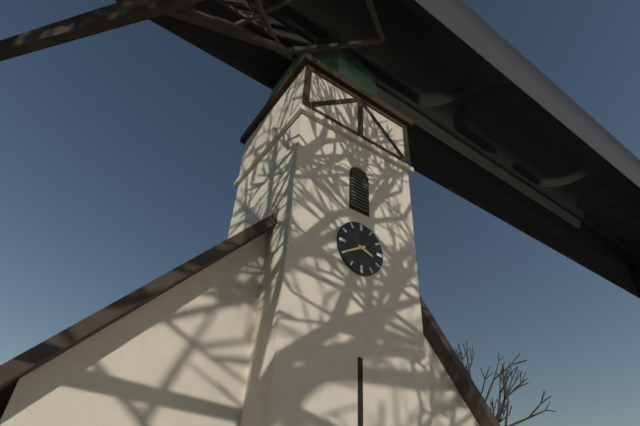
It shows **3:40**
